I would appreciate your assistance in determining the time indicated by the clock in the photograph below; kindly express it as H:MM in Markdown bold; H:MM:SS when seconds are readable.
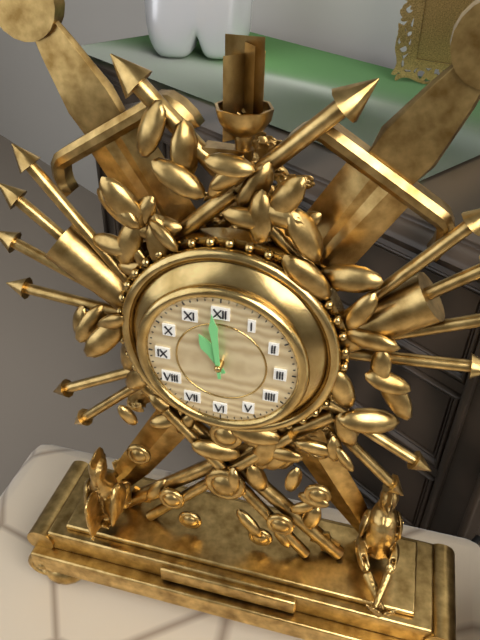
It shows **10:59**
